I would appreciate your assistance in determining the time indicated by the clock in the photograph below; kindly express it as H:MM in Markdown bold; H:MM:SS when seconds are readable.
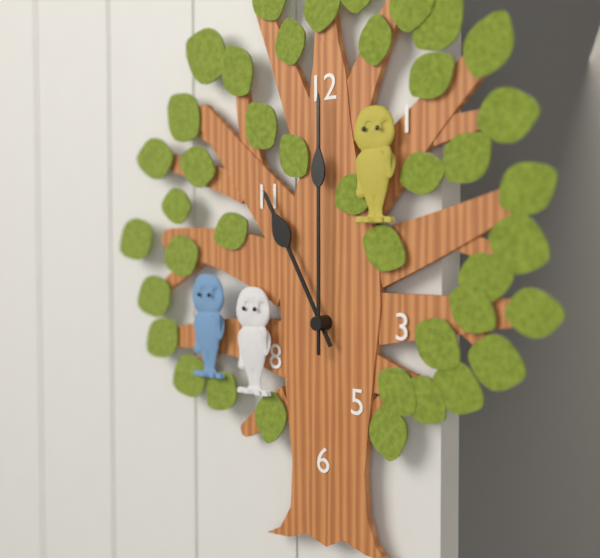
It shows **11:00**
